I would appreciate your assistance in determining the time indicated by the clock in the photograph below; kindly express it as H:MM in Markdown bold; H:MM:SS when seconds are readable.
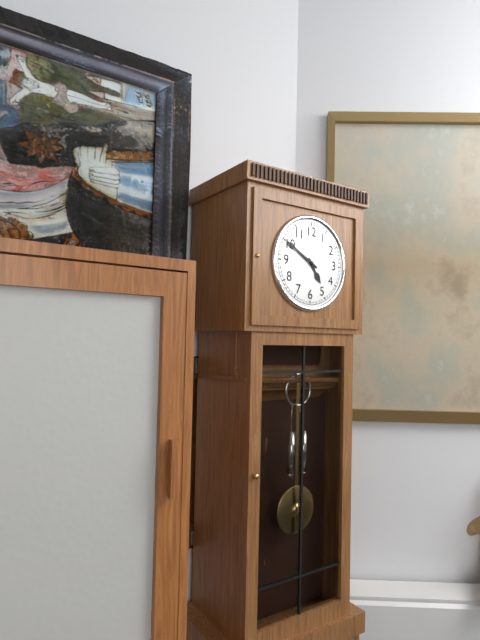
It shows **4:50**
